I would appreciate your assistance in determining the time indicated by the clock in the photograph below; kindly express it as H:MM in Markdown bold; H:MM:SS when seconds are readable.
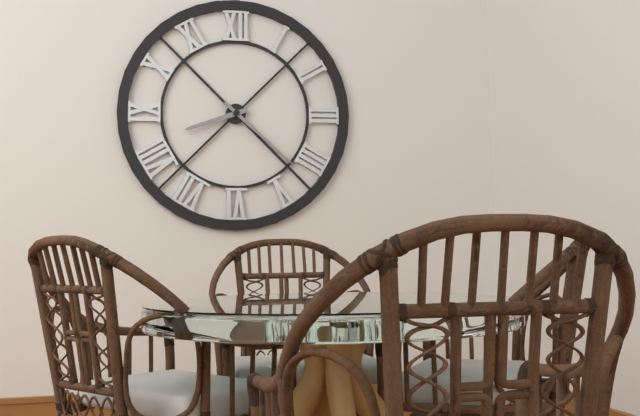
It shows **8:22**
